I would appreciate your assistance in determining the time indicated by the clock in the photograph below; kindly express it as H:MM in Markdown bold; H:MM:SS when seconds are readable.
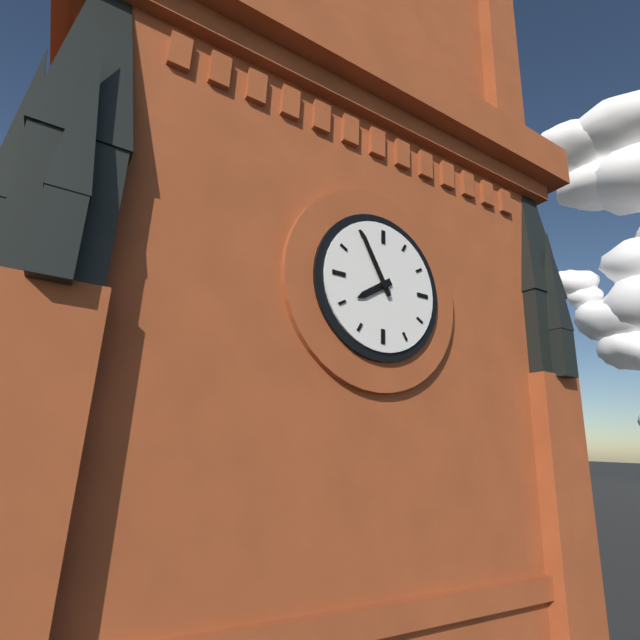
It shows **7:55**
